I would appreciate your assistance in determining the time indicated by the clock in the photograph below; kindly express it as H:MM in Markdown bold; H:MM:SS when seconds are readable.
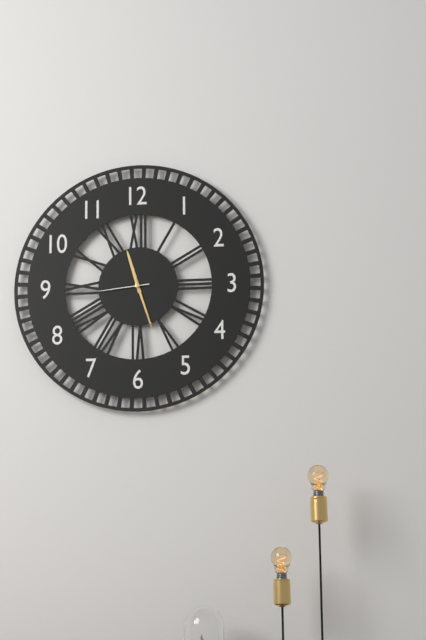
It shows **11:27:44**
